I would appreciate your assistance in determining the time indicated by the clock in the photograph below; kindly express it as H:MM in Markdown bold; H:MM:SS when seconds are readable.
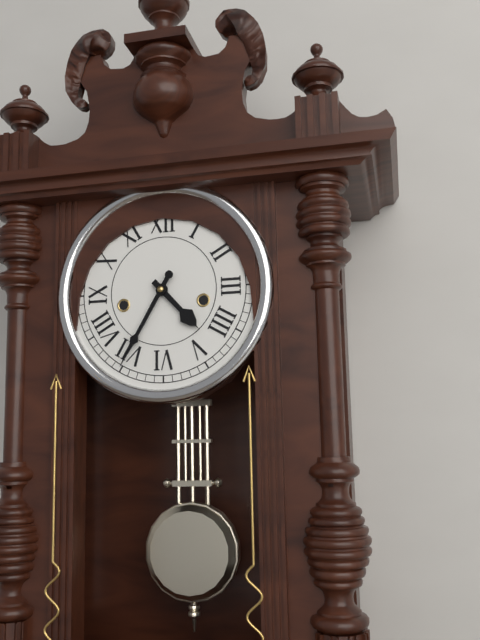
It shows **4:35**
